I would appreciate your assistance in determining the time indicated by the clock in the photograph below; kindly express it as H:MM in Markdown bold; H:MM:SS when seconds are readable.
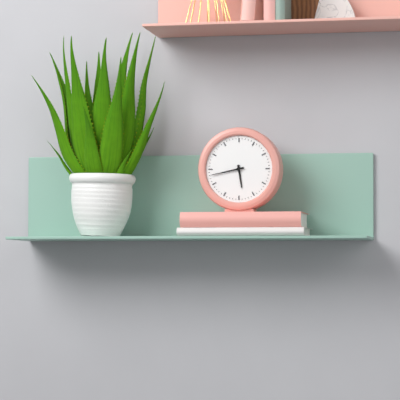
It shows **5:43**
